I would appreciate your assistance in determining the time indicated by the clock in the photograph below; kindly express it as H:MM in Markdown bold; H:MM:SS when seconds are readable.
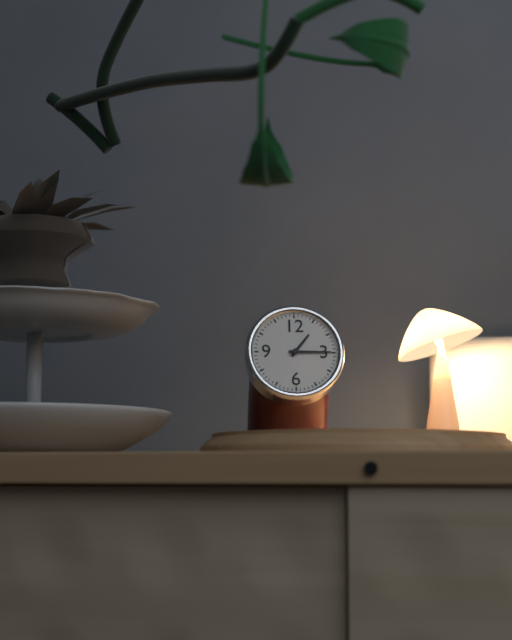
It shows **1:15**
